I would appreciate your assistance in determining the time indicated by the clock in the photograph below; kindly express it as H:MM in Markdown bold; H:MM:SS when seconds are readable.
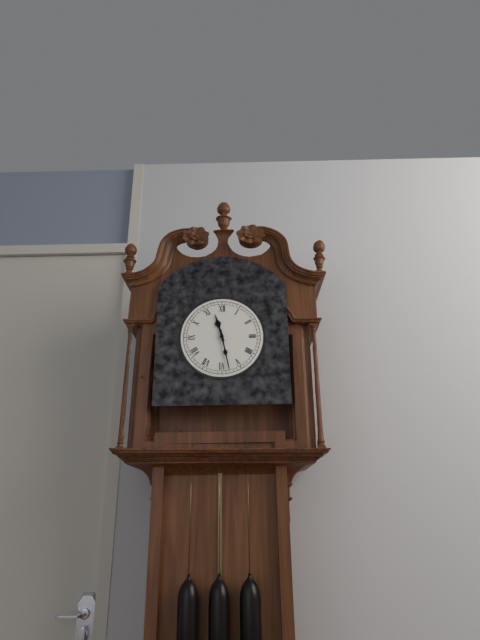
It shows **11:28**
